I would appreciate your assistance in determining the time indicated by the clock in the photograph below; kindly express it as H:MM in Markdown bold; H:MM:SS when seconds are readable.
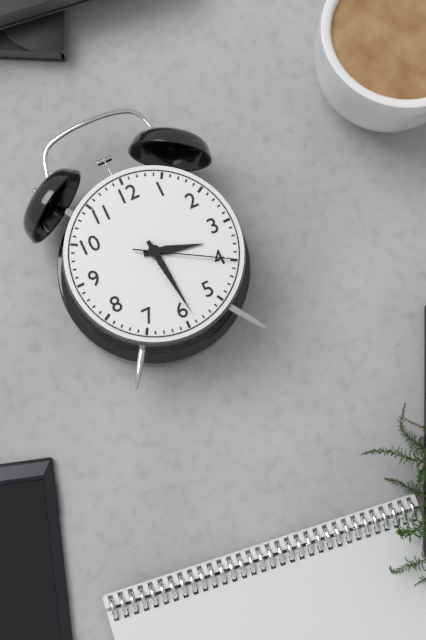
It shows **3:29:20**
